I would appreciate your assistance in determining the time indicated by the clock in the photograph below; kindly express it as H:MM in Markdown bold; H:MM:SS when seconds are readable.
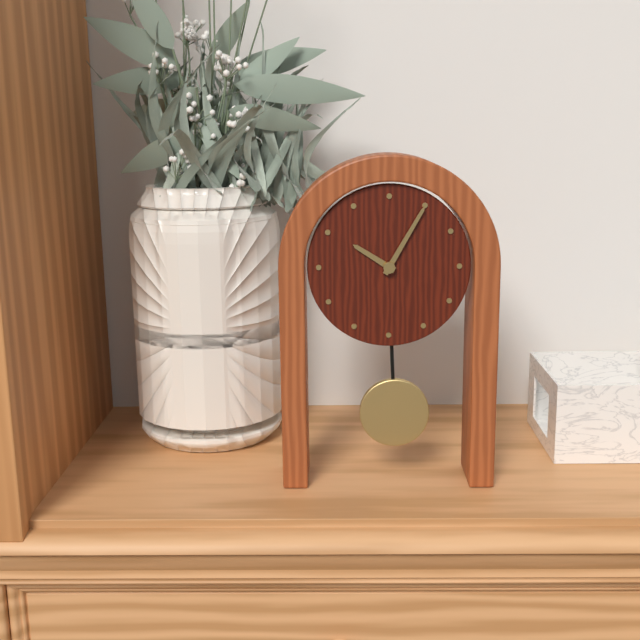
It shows **10:05**
